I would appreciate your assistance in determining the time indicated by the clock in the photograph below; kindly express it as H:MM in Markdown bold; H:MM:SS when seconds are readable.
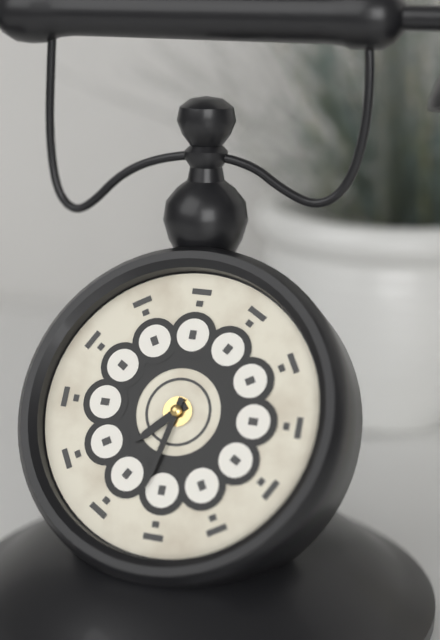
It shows **7:32**
